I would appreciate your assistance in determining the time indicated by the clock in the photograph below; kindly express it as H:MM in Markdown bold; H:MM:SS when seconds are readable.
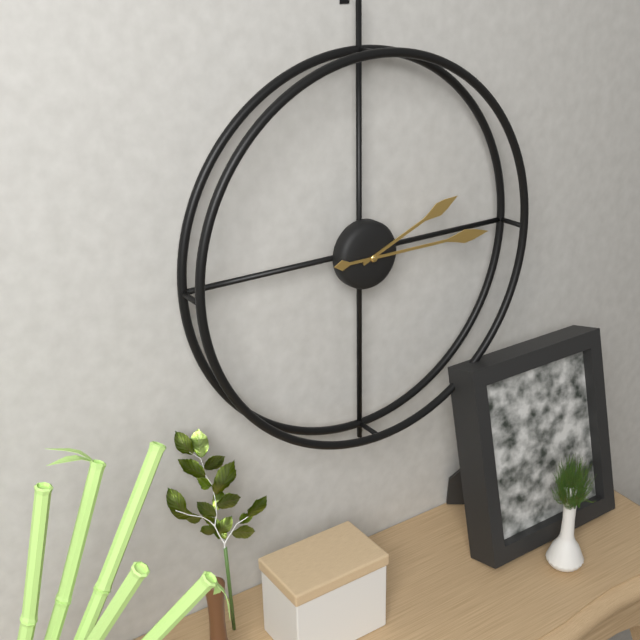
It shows **2:15**
